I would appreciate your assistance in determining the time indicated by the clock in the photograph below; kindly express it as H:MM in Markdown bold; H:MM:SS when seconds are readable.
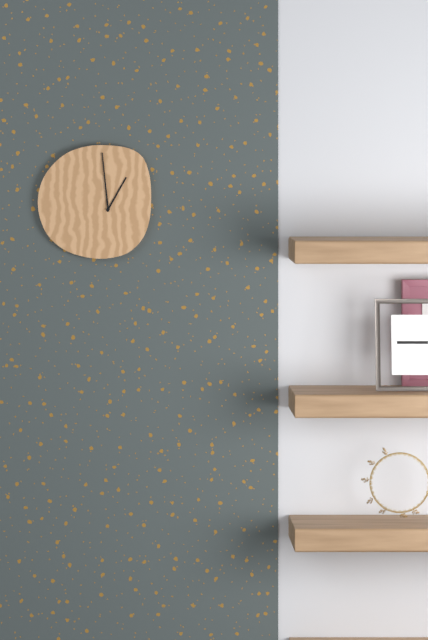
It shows **12:59**
